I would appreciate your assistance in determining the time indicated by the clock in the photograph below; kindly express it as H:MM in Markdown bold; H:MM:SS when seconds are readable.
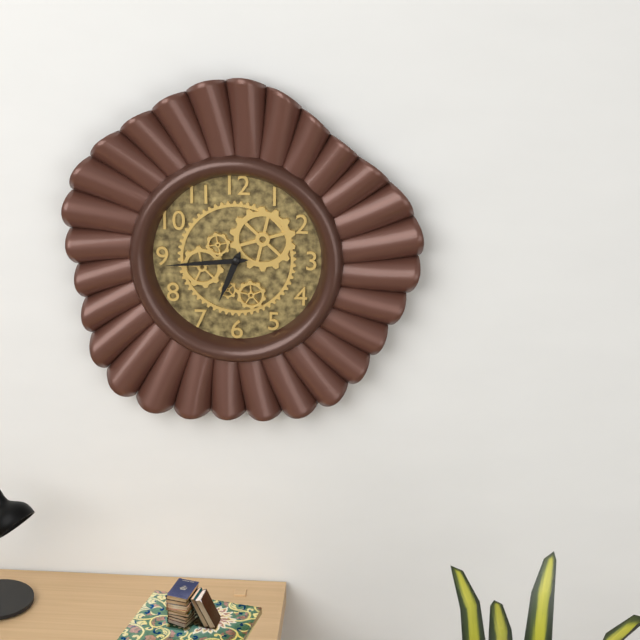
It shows **6:44**
